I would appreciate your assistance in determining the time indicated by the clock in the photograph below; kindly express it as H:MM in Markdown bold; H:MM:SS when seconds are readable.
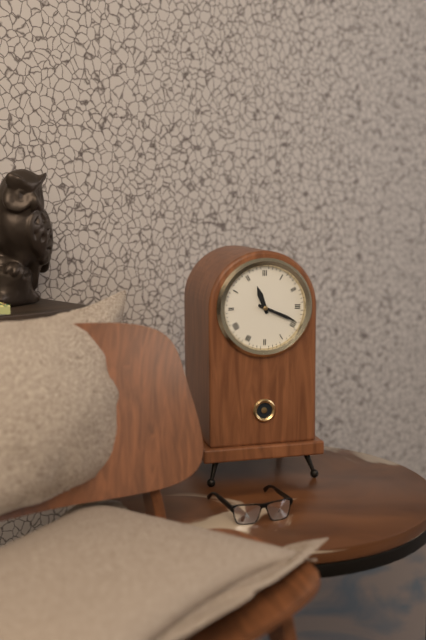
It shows **11:19**
